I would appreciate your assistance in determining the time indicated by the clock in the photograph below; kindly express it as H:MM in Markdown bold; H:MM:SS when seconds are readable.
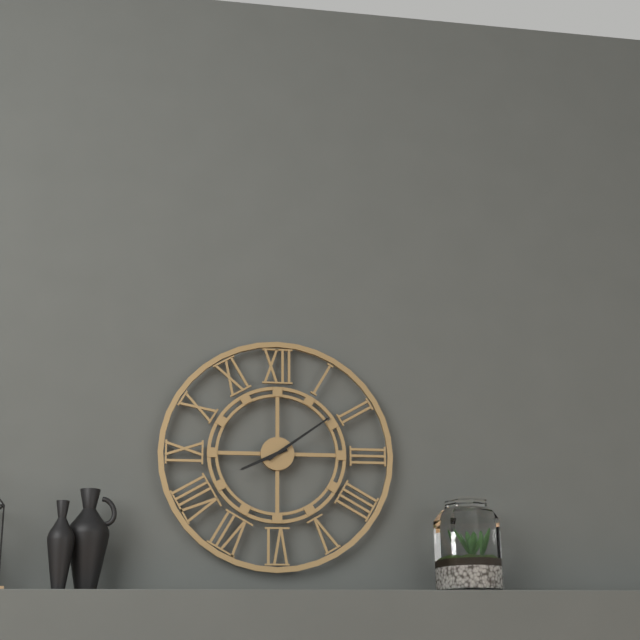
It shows **8:09**
